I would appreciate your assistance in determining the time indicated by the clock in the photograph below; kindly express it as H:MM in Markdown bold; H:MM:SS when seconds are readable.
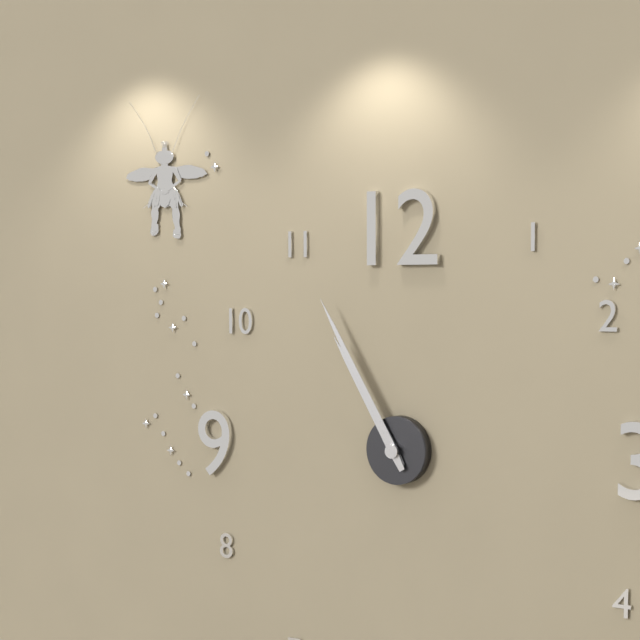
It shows **10:55**
